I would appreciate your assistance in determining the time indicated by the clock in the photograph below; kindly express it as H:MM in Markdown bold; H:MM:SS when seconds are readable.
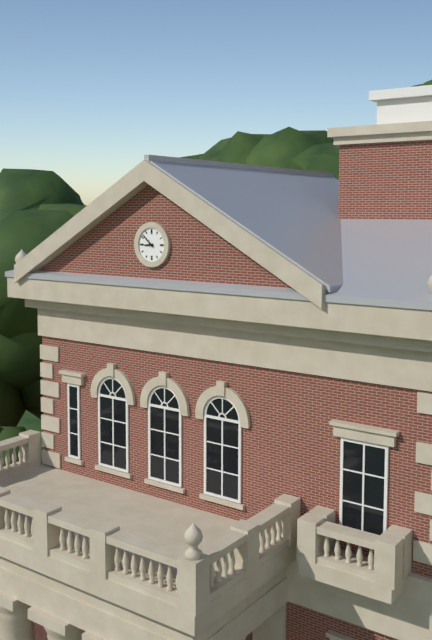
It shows **8:52**
